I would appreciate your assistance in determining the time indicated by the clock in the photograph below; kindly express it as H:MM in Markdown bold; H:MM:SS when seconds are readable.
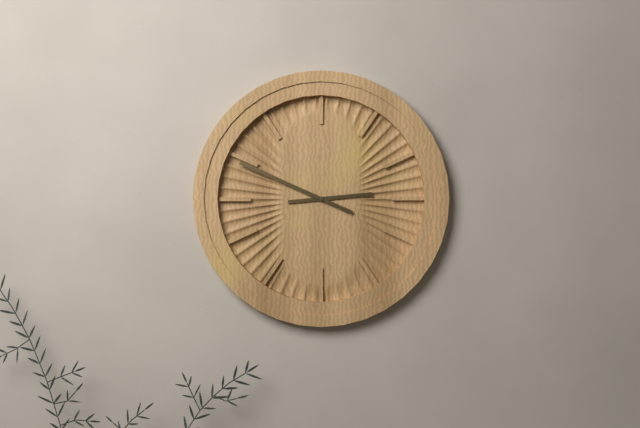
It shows **2:49**
